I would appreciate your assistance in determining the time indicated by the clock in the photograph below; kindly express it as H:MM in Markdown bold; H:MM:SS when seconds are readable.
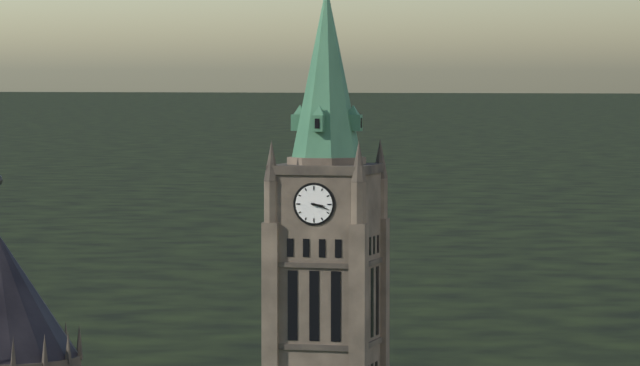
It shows **3:18**
